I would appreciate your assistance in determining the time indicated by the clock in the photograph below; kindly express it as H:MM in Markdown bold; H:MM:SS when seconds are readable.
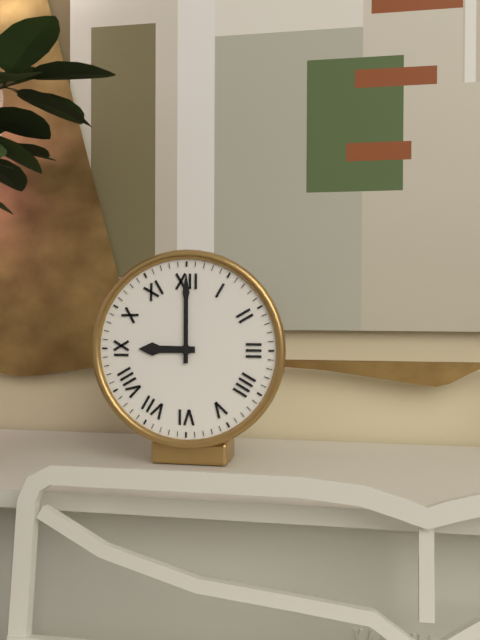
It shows **9:00**
